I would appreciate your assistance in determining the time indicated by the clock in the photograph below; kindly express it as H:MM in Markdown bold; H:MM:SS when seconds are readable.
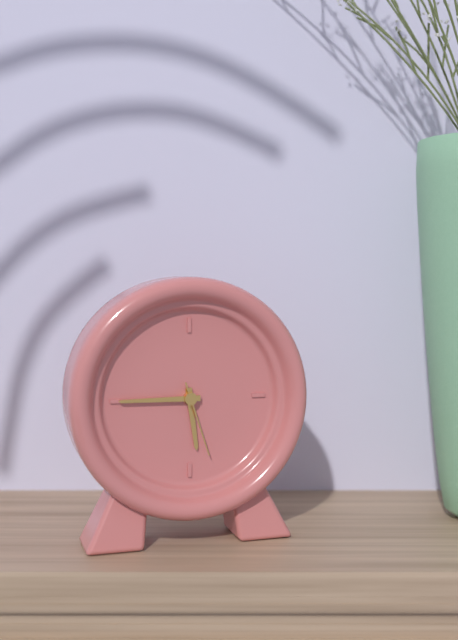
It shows **5:45:27**
